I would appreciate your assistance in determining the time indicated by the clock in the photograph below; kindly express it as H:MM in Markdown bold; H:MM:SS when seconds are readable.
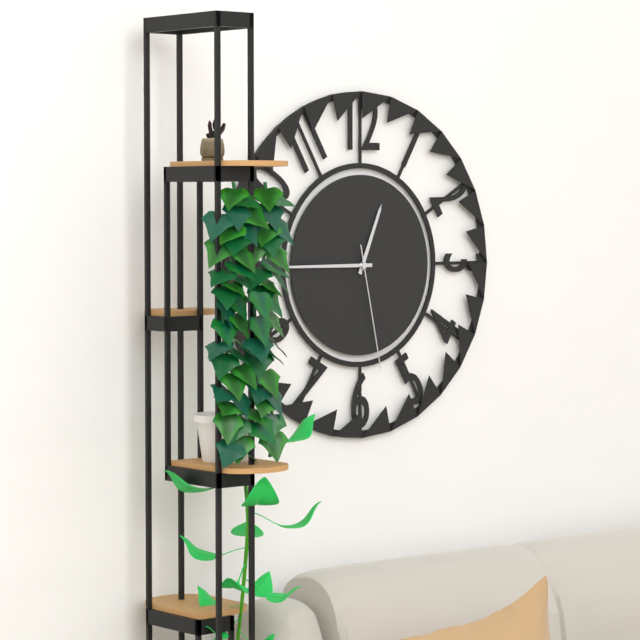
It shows **12:45:28**
